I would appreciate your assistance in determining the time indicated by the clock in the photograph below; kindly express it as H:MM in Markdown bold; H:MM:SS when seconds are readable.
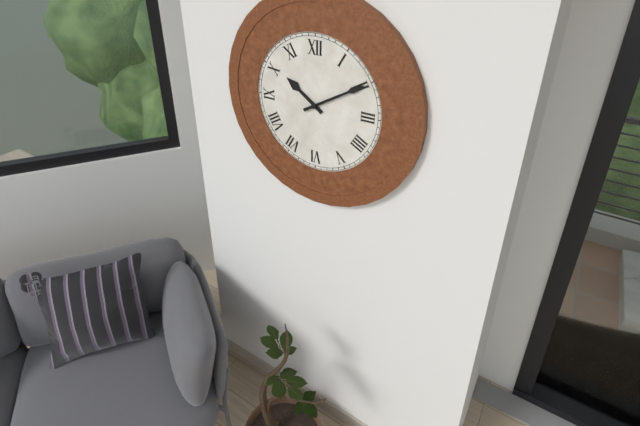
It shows **10:10**
